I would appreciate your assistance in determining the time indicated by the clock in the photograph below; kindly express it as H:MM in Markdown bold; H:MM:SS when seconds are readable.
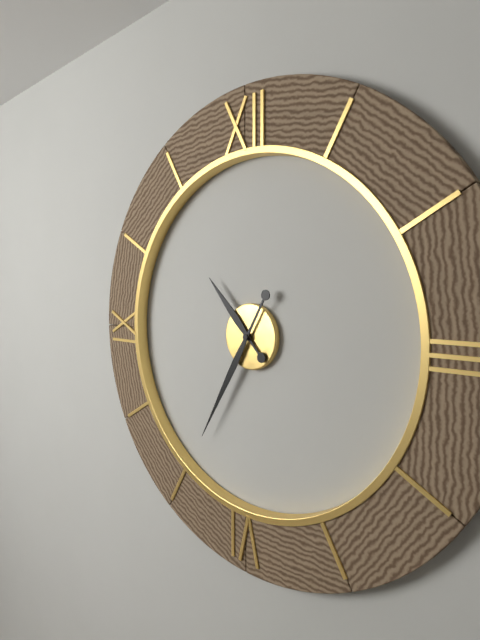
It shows **10:35**
